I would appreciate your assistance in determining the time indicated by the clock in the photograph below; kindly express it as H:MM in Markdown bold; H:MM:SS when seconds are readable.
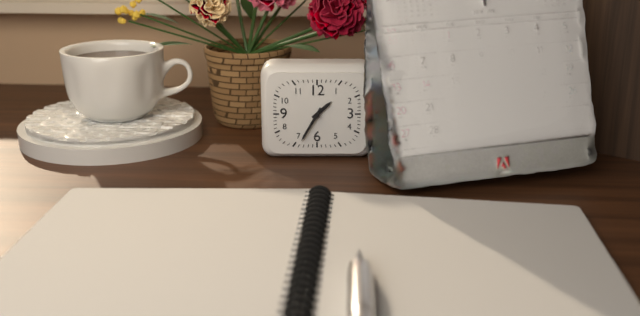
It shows **1:35**
